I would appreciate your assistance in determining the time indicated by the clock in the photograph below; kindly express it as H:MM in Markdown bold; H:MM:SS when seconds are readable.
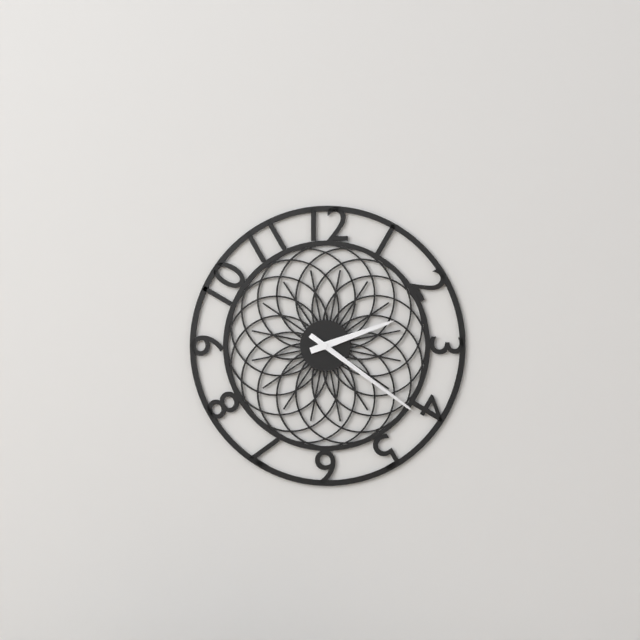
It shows **2:21**
